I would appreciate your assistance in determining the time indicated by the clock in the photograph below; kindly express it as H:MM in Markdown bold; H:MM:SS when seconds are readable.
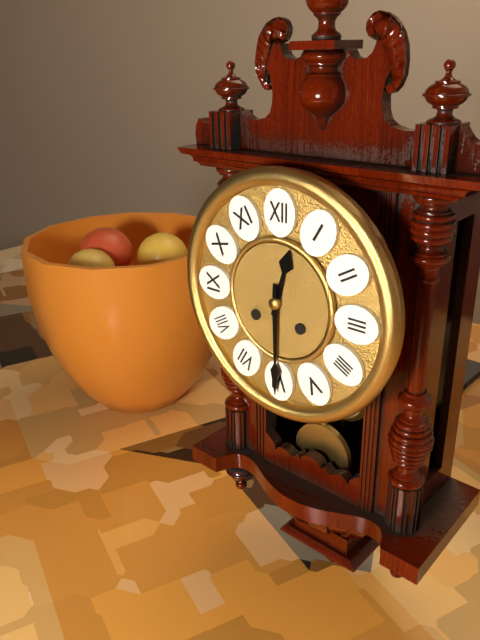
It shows **12:30**
